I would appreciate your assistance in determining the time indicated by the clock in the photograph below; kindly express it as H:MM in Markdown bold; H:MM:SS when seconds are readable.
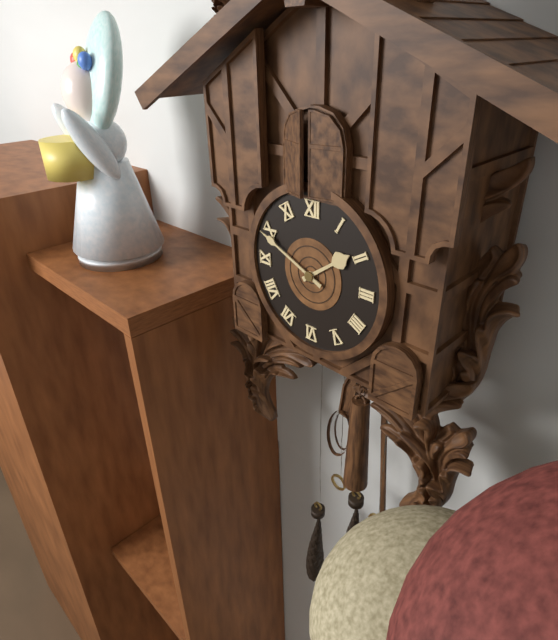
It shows **1:49**
